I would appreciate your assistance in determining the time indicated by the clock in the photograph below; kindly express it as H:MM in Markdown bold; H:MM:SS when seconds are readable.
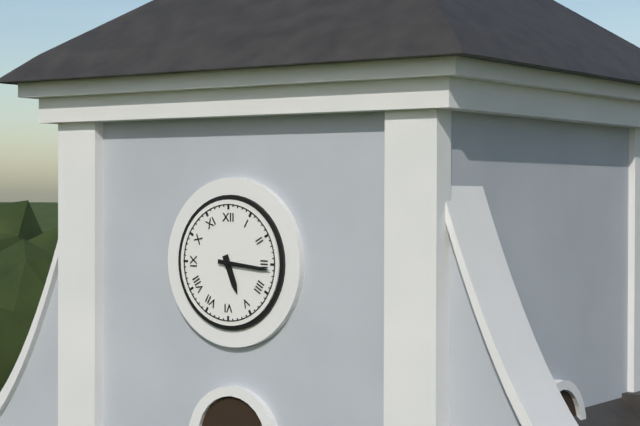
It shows **5:16**
